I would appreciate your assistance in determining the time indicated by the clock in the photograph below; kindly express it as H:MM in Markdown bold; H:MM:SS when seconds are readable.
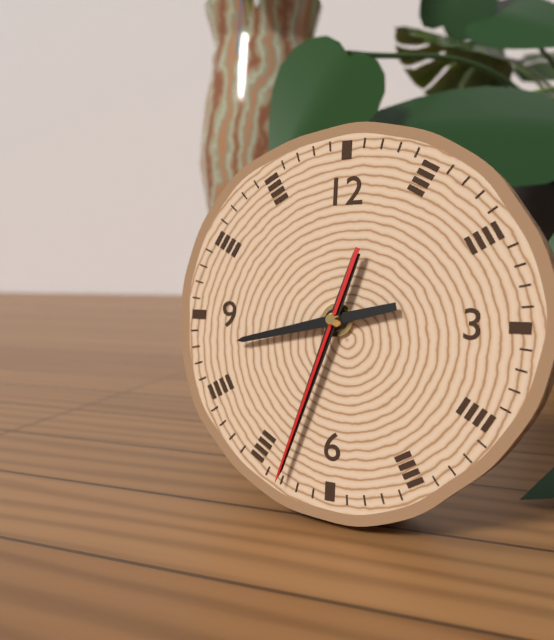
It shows **8:33:33**
